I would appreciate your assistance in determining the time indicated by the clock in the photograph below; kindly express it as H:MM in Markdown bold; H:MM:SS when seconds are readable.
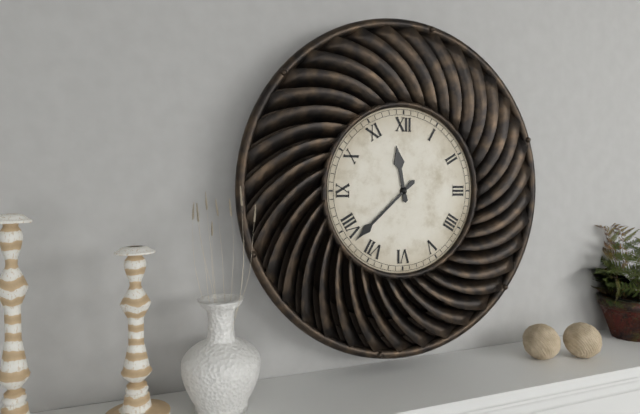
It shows **11:38**
